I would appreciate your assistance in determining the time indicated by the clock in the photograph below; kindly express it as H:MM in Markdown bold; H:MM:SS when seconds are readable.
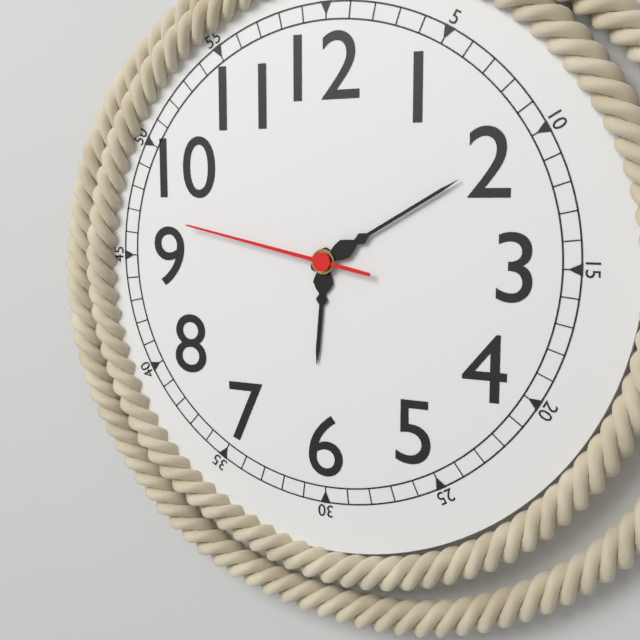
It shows **6:10:47**
